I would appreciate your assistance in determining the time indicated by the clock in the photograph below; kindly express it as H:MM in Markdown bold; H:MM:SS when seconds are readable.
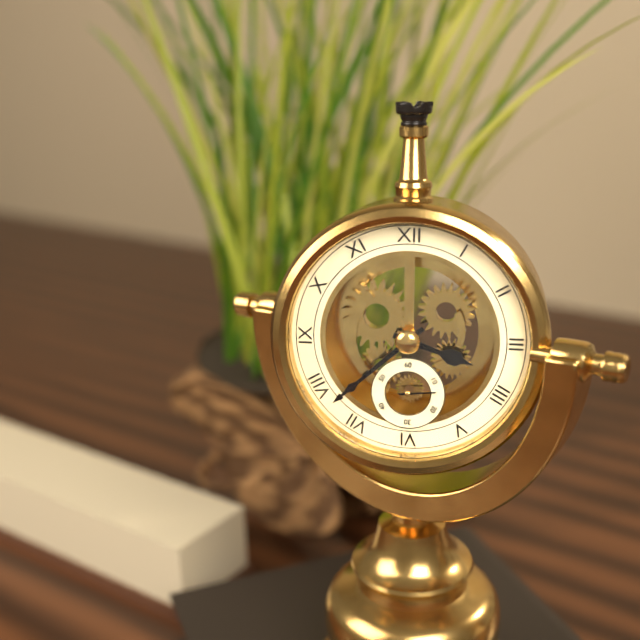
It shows **3:38**
